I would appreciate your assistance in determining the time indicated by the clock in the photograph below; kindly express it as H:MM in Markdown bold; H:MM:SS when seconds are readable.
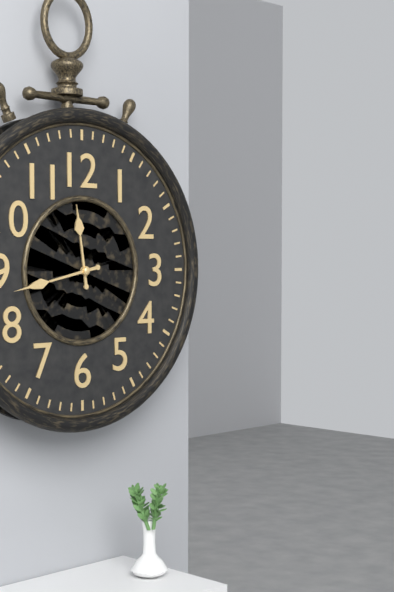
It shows **11:43**
